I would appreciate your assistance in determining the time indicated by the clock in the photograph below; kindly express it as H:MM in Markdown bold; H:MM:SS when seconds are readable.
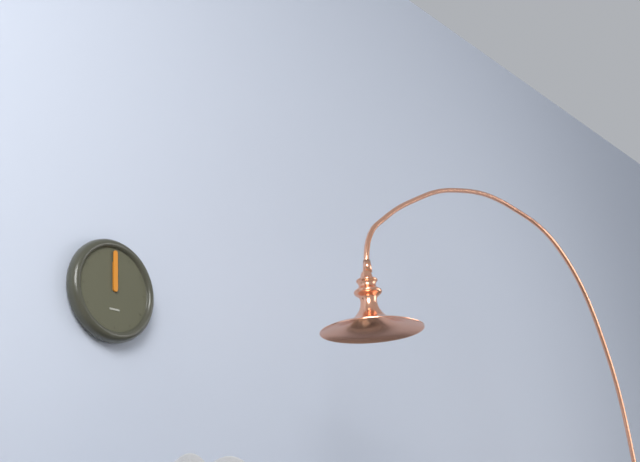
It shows **12:00**
